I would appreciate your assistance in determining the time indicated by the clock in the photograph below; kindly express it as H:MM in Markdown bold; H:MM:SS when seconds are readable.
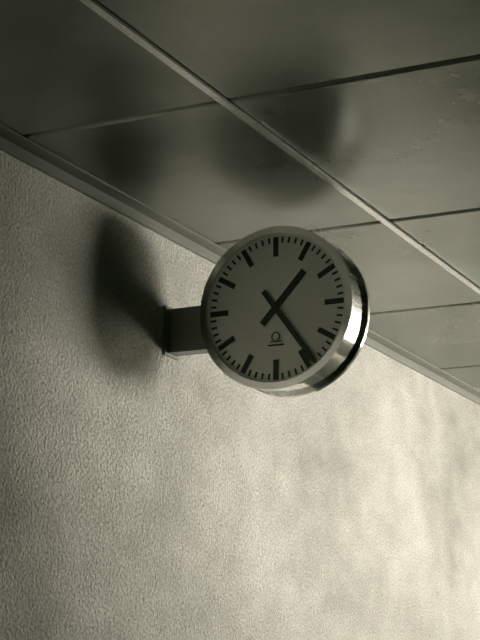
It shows **1:24**
